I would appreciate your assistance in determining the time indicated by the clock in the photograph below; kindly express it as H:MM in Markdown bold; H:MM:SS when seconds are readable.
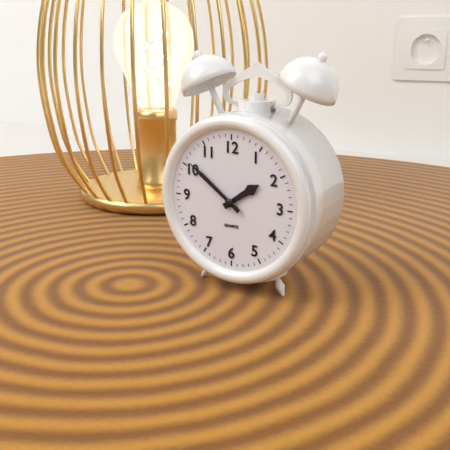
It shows **1:51**
